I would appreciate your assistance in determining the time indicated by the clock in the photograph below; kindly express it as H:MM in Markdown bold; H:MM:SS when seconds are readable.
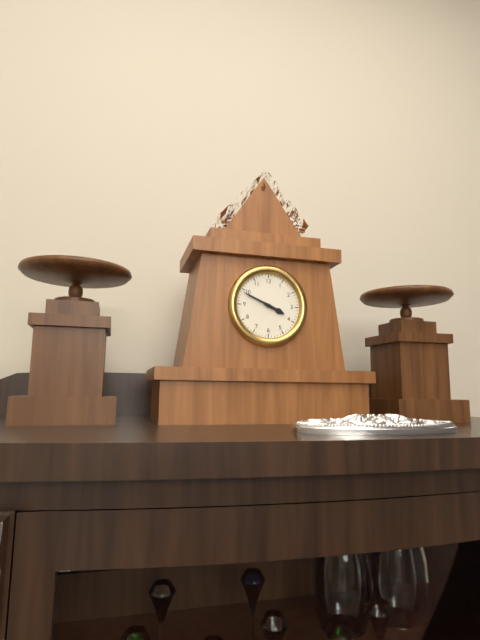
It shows **3:49**
